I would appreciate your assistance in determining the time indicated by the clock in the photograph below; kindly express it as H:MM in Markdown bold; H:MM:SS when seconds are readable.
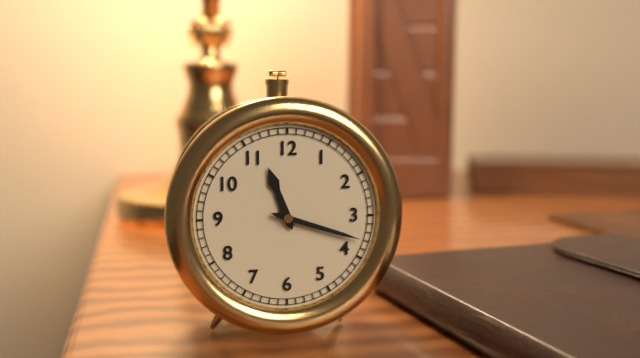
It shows **11:18**
